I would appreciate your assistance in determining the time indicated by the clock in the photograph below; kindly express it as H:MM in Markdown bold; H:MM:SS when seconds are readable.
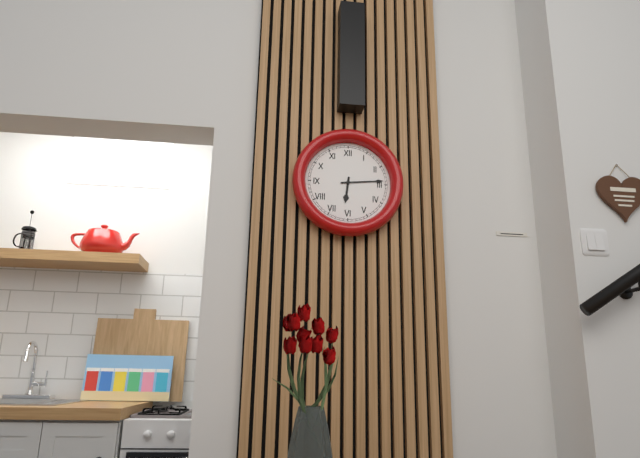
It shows **6:14**
